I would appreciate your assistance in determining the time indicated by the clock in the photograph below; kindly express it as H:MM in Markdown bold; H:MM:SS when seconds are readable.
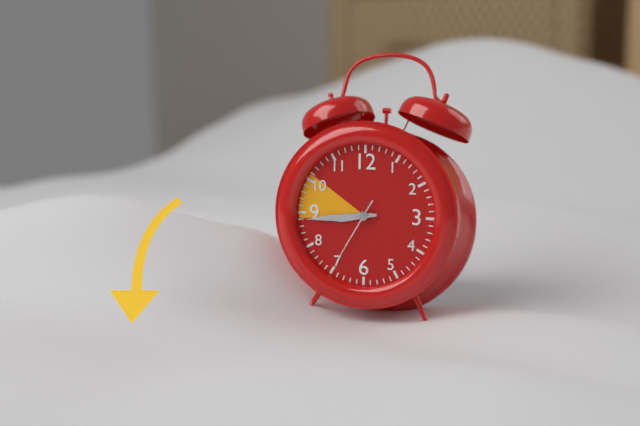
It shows **8:44:35**
